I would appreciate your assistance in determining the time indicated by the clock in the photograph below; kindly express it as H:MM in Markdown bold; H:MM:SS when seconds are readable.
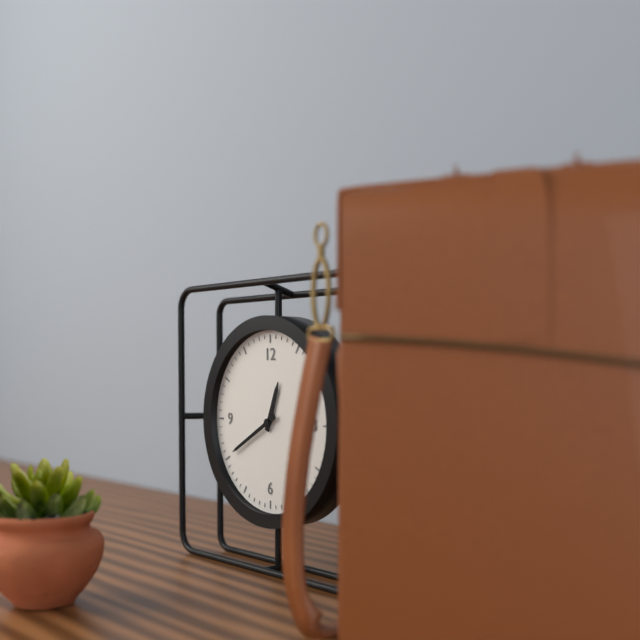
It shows **12:40**
